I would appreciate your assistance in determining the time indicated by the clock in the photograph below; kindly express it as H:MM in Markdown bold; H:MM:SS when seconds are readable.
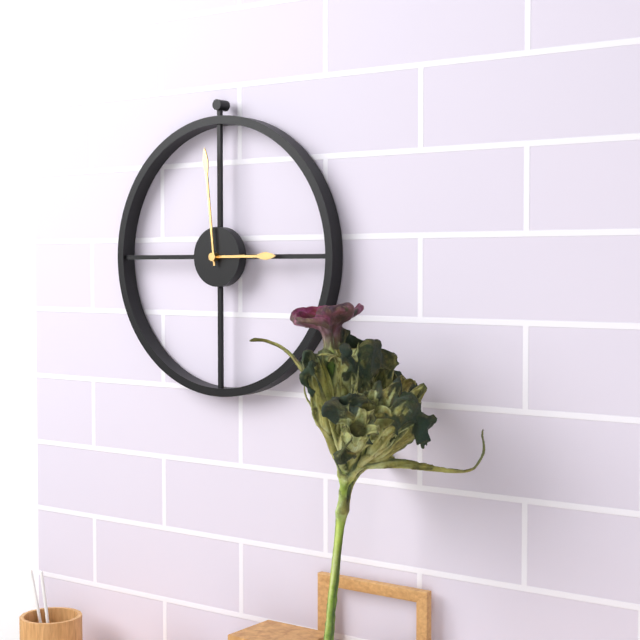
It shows **2:59**
